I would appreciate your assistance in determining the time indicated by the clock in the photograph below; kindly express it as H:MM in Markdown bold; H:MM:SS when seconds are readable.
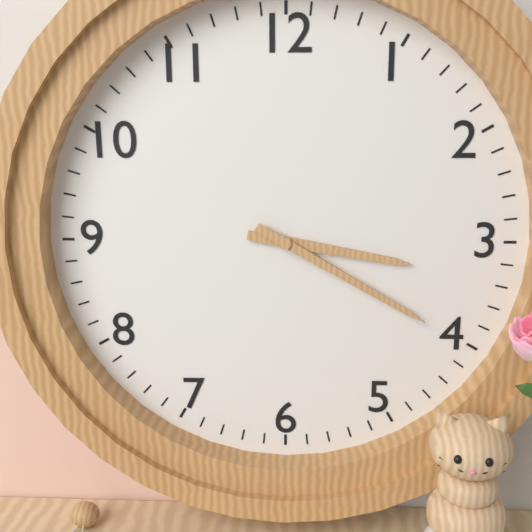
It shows **3:20**
